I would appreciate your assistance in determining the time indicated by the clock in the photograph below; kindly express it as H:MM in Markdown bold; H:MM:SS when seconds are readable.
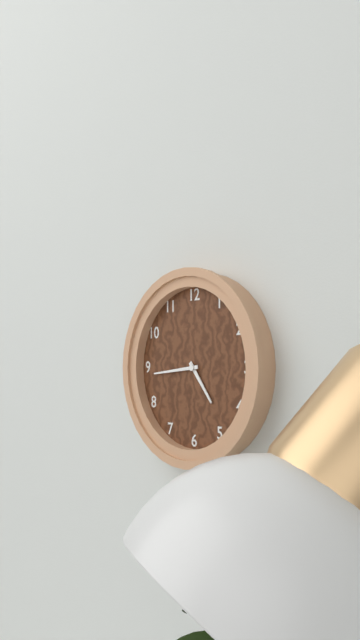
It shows **4:44**
